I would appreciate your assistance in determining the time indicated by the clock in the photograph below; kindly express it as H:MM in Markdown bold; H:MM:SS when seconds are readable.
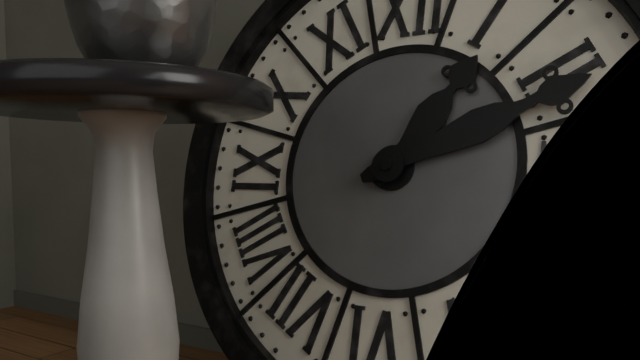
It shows **1:11**
